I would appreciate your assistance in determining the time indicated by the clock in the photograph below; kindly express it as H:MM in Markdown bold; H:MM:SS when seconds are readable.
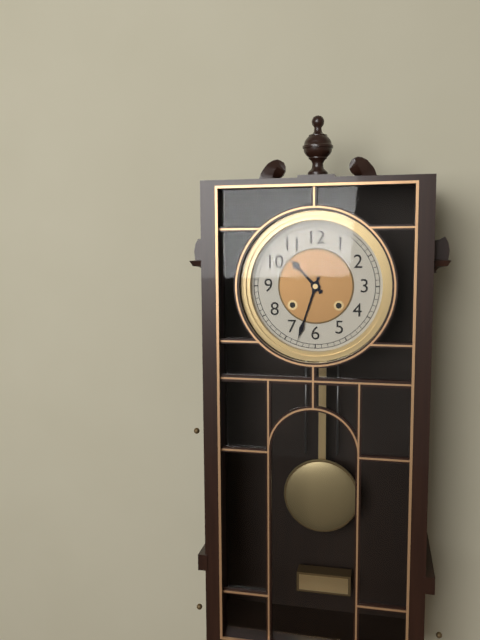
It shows **10:33**
